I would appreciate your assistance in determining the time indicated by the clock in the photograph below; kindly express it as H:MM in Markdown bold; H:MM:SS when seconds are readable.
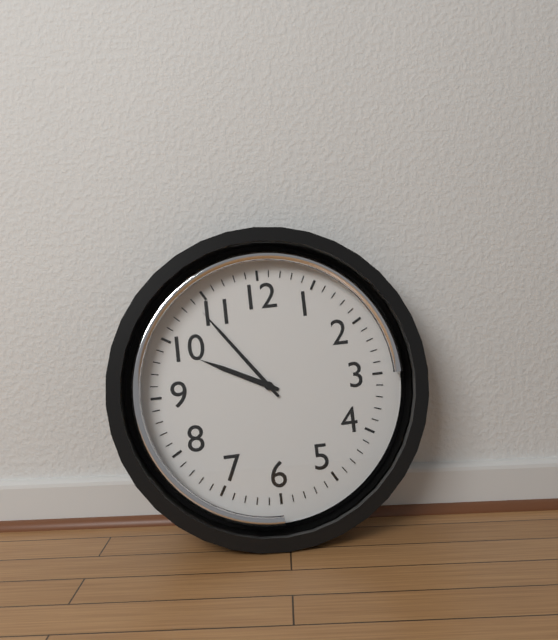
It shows **9:54**
